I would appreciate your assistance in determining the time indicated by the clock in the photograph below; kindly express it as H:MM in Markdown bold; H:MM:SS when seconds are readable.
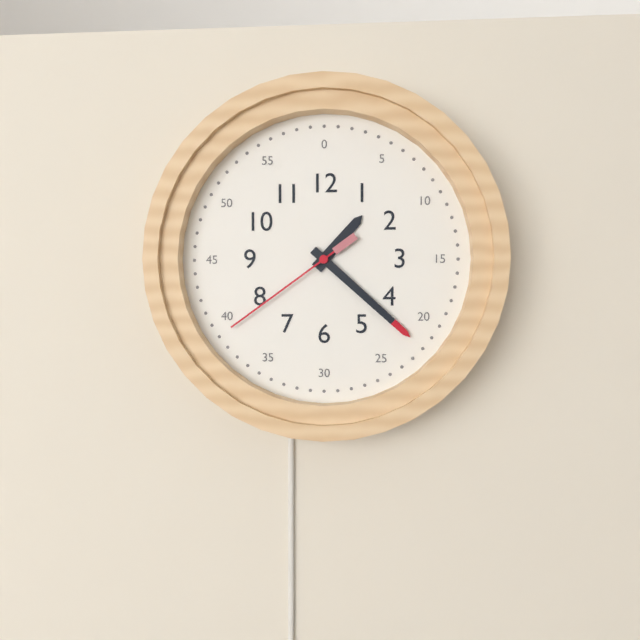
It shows **1:22:39**
